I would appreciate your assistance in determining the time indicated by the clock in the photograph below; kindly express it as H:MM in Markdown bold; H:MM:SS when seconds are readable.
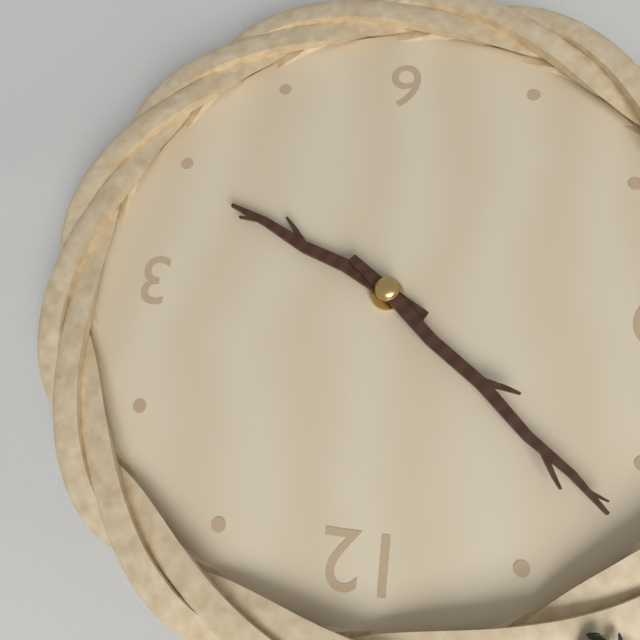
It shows **3:52**
